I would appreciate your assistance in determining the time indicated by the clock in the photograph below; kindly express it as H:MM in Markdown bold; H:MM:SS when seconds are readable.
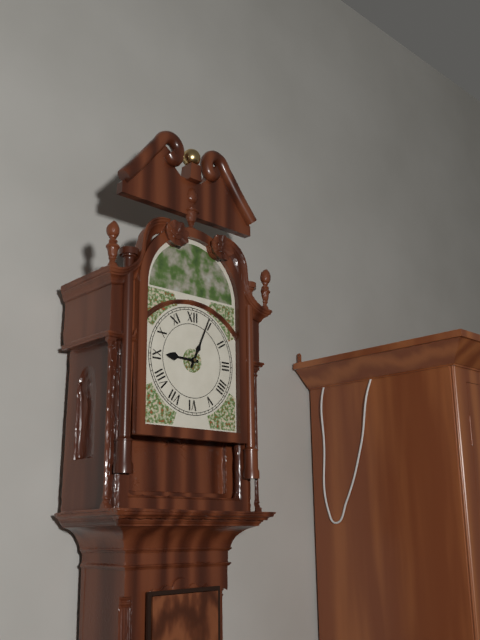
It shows **9:04**
